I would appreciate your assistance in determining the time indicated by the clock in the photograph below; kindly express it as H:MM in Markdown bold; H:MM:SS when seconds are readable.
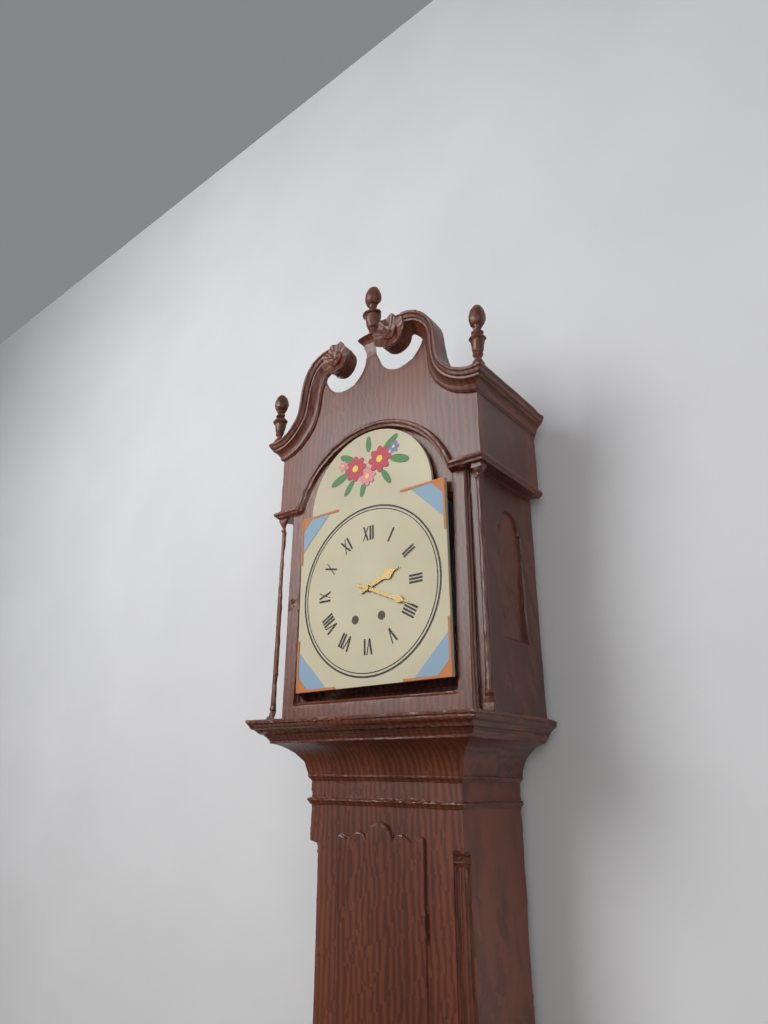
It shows **2:19**
